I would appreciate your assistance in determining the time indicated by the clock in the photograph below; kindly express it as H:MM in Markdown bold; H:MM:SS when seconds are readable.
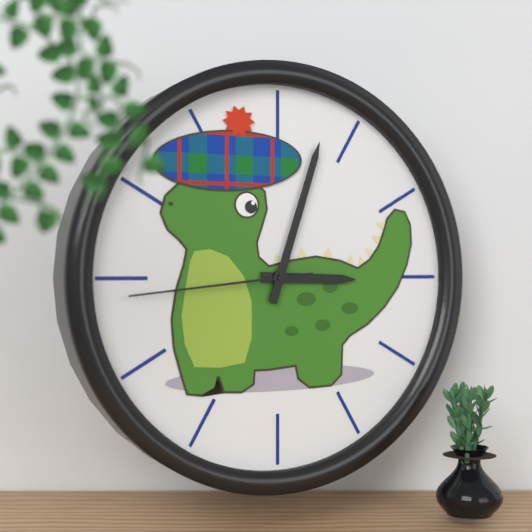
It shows **3:03:44**
